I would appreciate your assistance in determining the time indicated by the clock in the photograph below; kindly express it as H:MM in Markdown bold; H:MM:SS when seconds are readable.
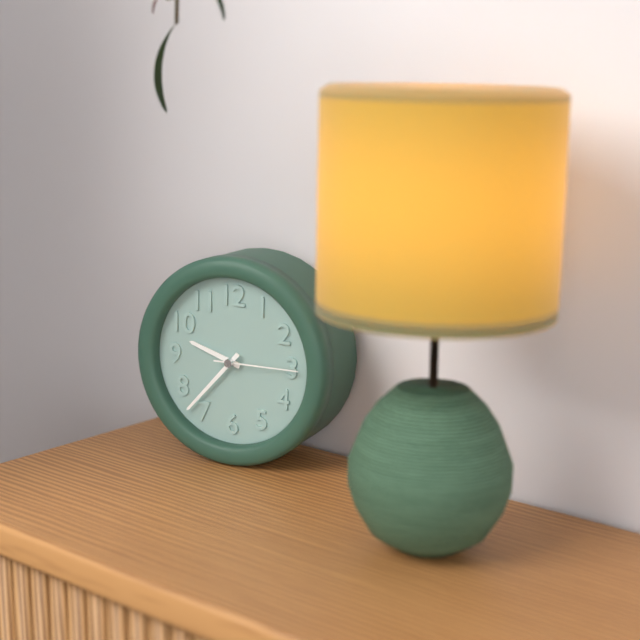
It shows **9:37:15**
